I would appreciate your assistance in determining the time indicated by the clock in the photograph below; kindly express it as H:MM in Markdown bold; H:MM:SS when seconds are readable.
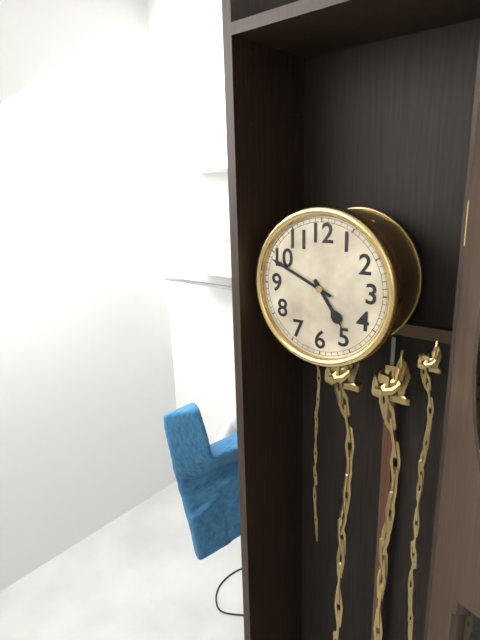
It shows **4:49**
